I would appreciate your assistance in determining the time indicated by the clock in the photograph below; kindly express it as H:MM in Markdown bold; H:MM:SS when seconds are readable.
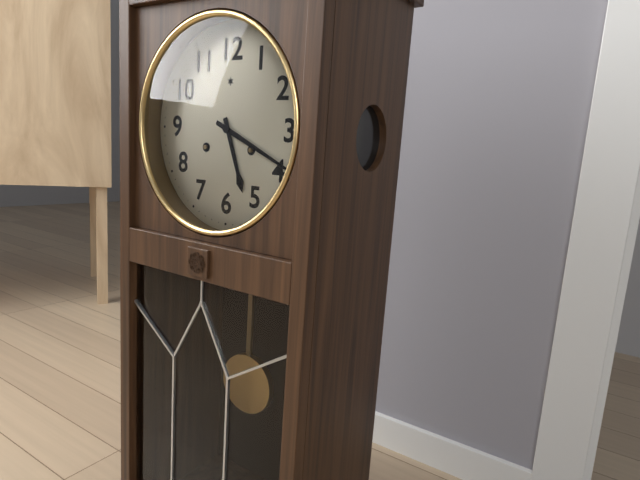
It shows **5:19**
